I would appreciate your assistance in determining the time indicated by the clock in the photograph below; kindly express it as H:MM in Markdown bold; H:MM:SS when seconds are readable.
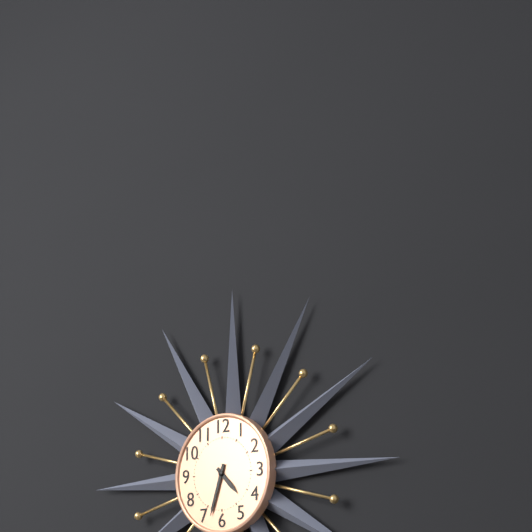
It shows **4:33**
